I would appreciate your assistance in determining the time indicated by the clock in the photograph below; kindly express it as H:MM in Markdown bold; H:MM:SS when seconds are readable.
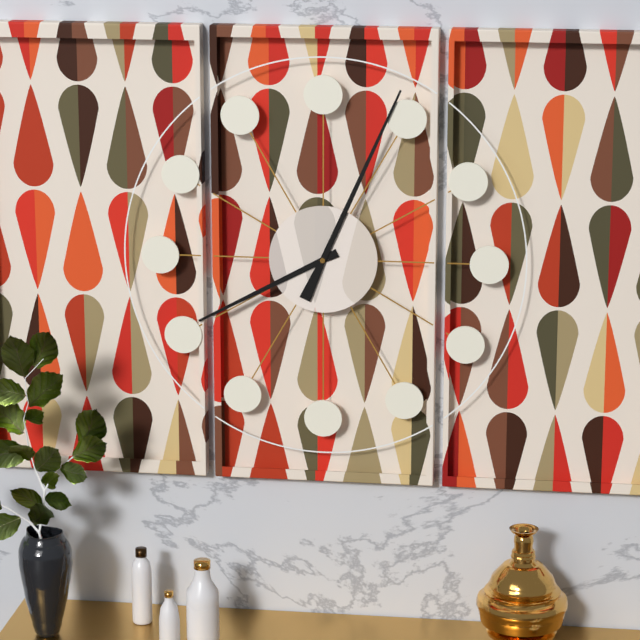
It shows **8:04**
